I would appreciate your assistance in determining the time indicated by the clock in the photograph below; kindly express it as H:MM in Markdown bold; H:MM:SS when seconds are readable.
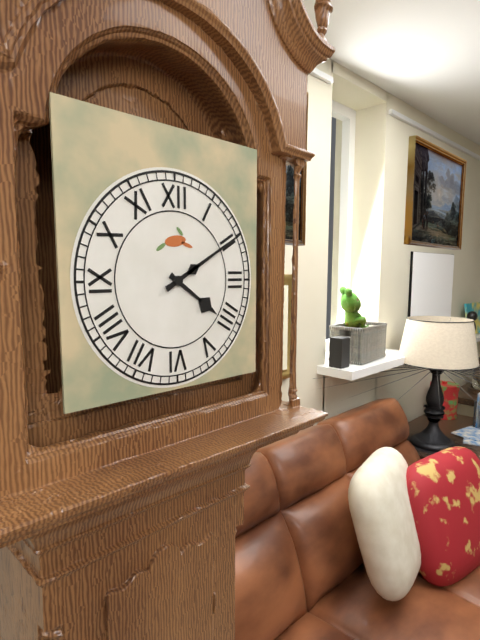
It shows **4:10**
